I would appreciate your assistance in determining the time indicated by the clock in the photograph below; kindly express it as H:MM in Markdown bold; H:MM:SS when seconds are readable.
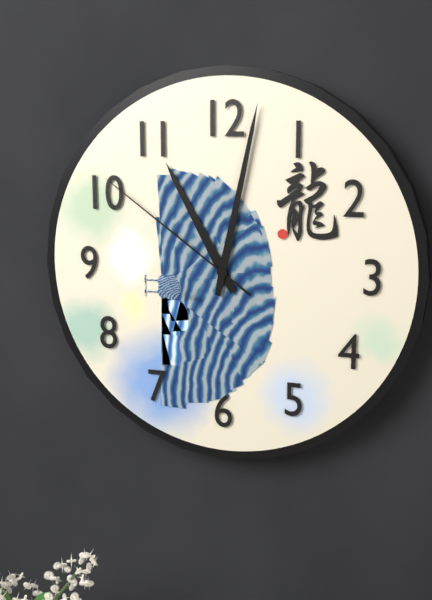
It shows **11:02:51**
